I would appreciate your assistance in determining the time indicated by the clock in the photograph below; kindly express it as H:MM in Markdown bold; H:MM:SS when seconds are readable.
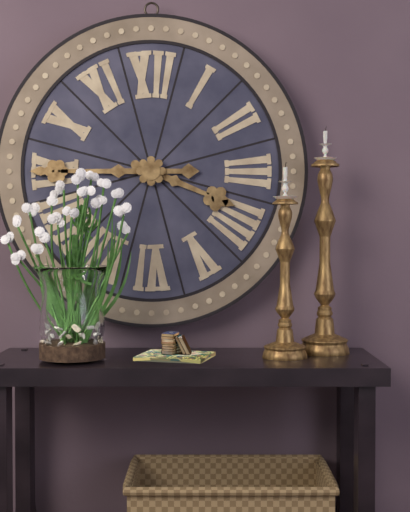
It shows **3:45**
